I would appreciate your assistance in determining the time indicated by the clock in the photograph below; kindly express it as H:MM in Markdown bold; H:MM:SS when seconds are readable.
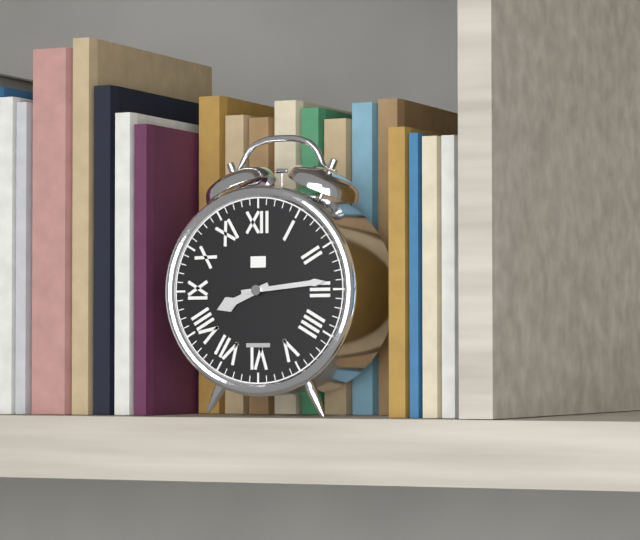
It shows **8:14**
